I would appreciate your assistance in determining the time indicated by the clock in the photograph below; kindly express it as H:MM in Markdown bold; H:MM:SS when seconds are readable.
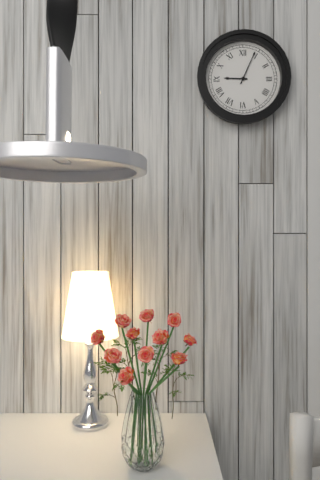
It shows **9:04**
